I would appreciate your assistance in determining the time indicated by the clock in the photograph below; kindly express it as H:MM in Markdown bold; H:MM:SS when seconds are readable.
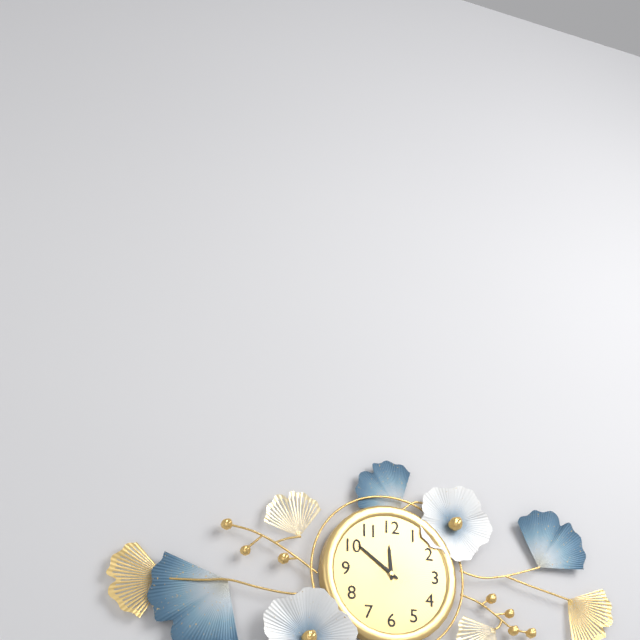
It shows **11:51**
